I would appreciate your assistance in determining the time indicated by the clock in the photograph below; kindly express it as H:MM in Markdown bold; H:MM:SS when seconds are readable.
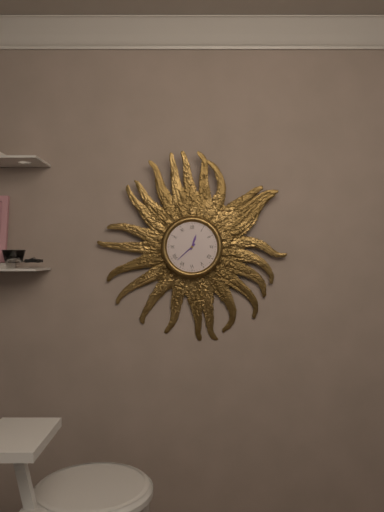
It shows **12:38**
